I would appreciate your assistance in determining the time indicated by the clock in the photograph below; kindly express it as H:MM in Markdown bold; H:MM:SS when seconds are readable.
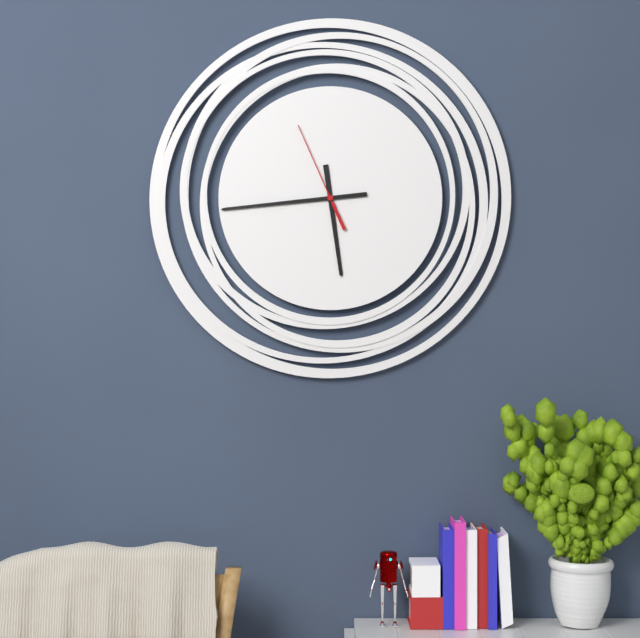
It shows **5:44:56**
